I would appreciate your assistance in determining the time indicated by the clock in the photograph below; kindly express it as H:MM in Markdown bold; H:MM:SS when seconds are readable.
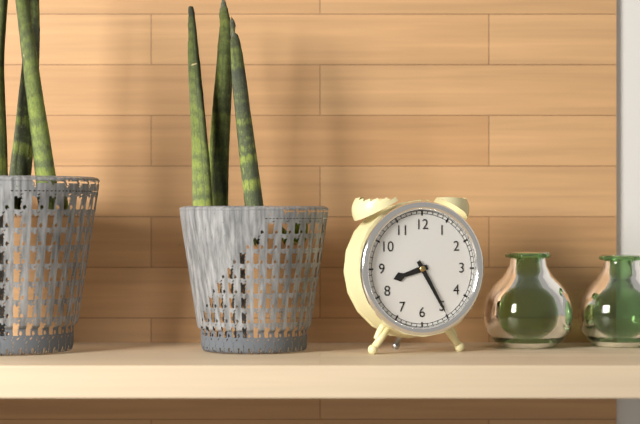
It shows **8:25**
